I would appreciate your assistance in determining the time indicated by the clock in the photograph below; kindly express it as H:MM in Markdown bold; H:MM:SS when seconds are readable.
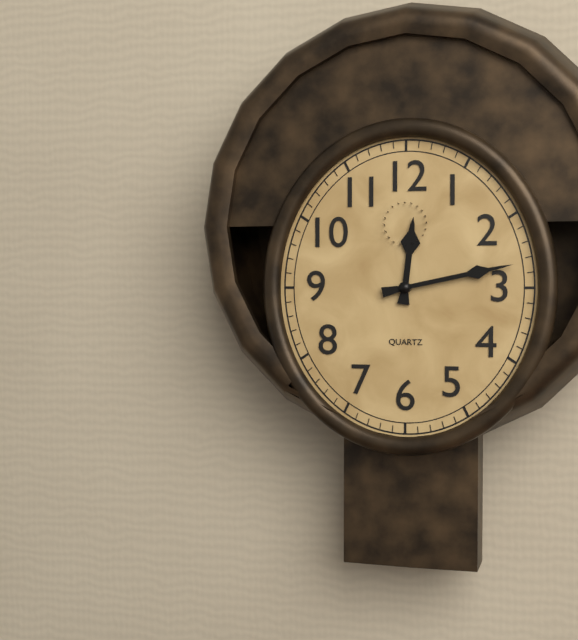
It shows **12:13**
